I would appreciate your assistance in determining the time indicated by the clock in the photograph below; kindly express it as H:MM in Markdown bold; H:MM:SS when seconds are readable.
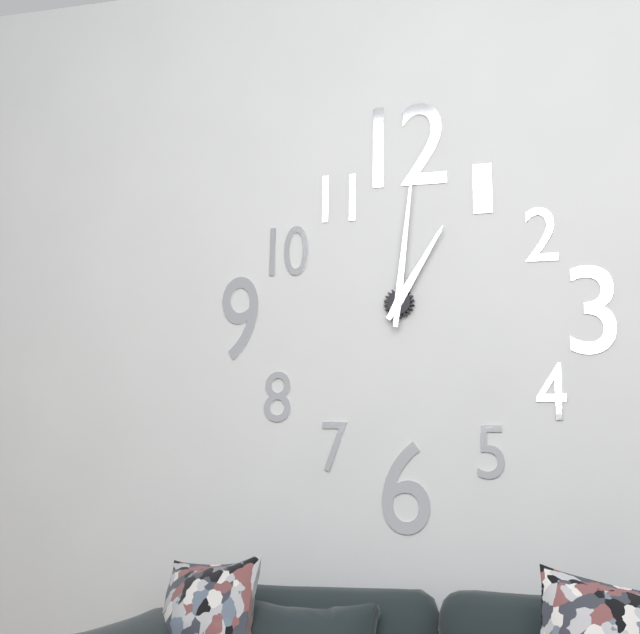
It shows **1:01**
